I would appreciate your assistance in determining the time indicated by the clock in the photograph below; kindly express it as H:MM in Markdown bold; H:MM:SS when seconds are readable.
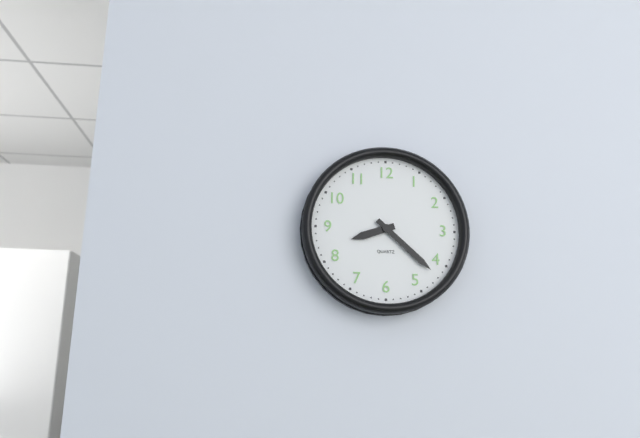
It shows **8:22**
